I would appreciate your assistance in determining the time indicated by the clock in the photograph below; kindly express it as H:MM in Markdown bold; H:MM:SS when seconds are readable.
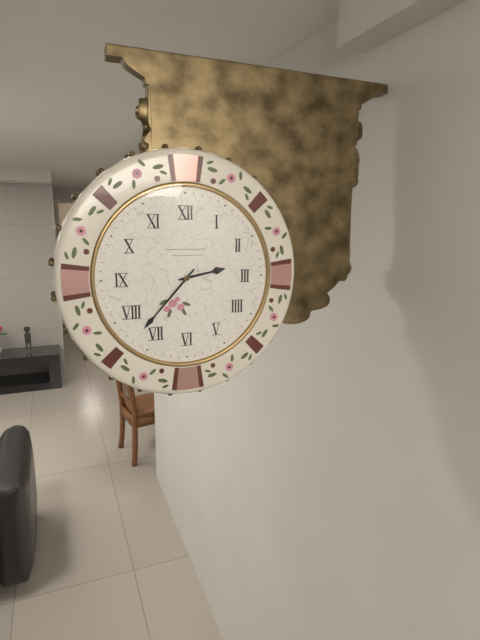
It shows **2:37**
